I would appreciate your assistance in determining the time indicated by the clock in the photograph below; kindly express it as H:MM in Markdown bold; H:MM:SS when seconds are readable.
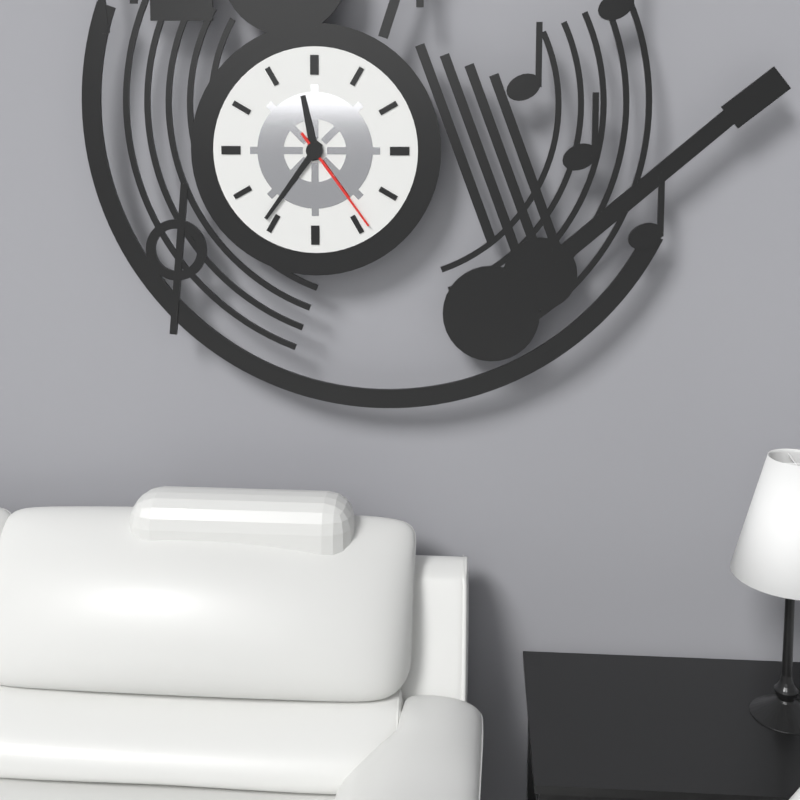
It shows **11:36:24**
